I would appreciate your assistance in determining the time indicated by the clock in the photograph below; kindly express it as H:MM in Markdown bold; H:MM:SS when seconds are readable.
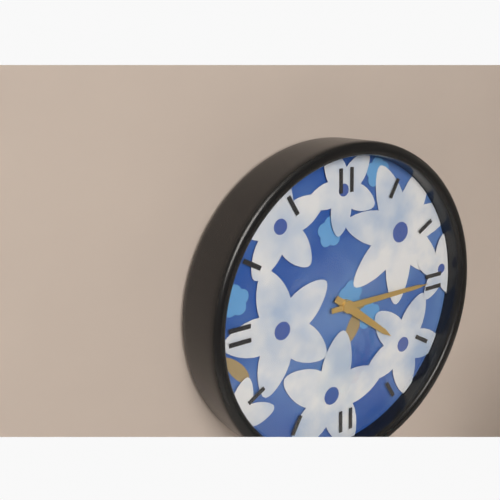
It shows **4:15**
